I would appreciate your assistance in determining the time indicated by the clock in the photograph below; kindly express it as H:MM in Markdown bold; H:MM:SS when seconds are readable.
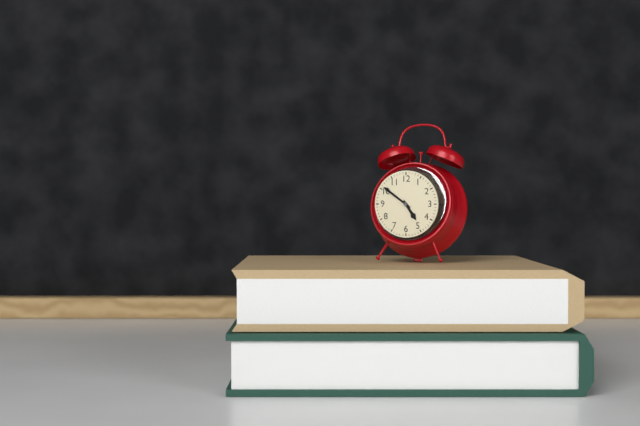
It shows **4:51**
